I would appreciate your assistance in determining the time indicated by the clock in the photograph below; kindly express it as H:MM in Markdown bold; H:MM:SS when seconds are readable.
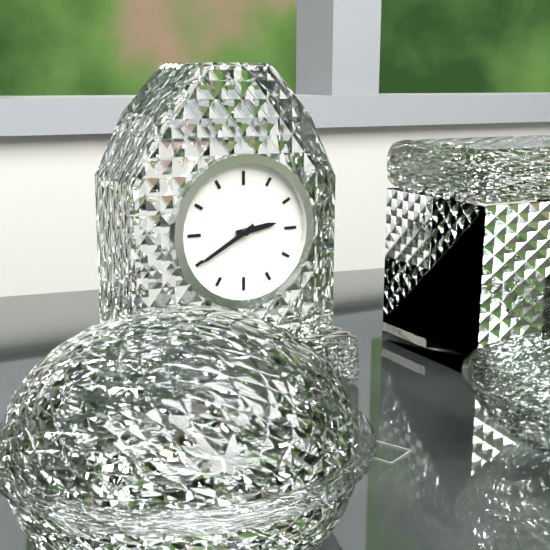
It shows **2:40**
